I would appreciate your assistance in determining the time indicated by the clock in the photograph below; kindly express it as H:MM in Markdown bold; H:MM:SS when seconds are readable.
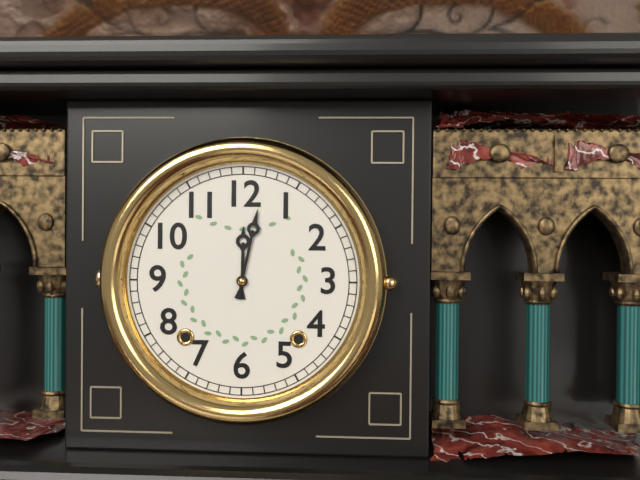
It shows **12:02**
